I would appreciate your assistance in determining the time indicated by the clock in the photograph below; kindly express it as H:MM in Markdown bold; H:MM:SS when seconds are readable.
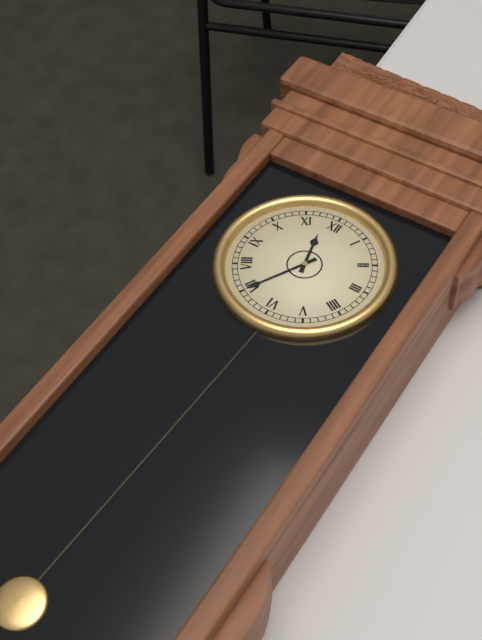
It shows **11:35**
